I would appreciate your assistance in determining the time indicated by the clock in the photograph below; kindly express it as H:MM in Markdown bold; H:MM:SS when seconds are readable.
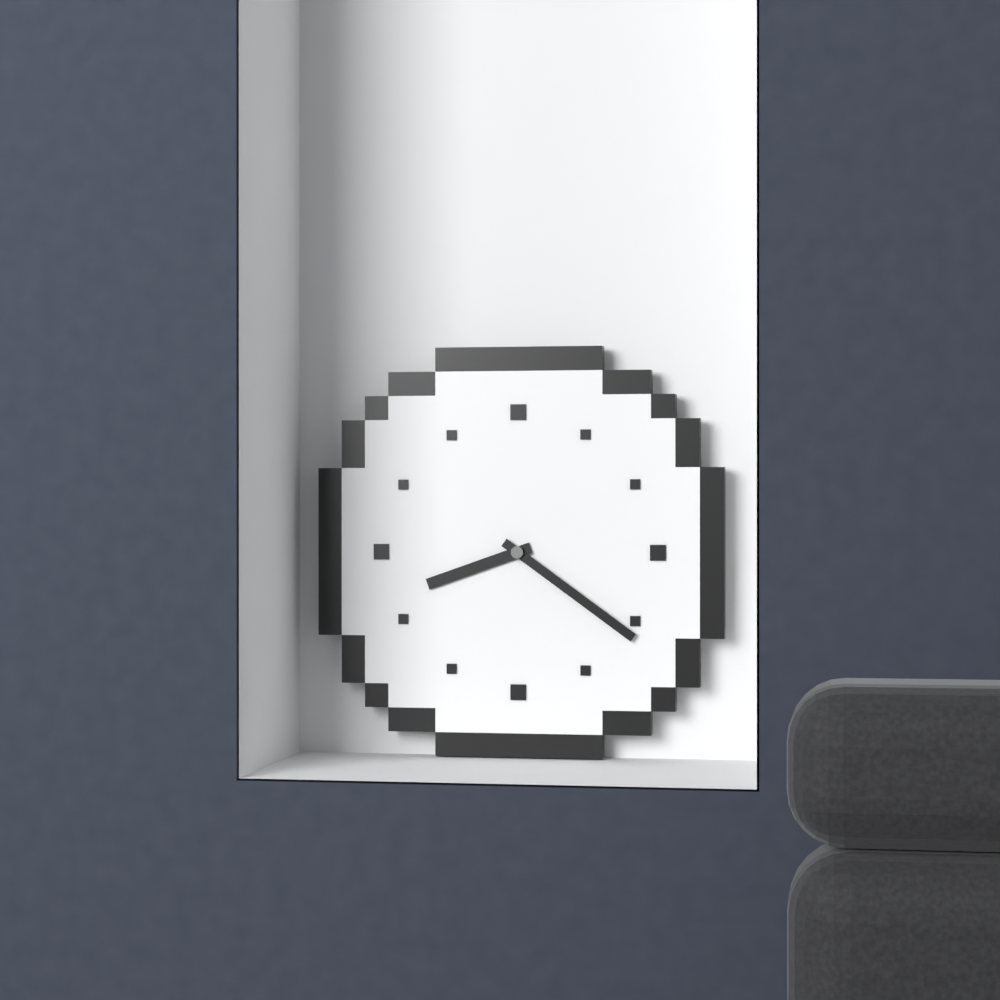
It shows **8:21**
